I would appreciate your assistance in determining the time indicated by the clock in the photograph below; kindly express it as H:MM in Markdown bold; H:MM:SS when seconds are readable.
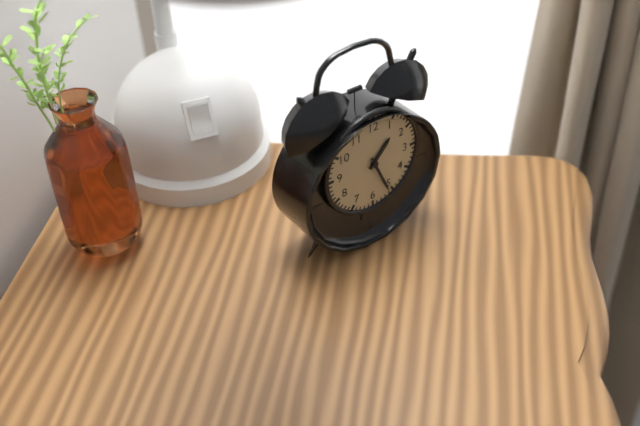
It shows **1:26**
